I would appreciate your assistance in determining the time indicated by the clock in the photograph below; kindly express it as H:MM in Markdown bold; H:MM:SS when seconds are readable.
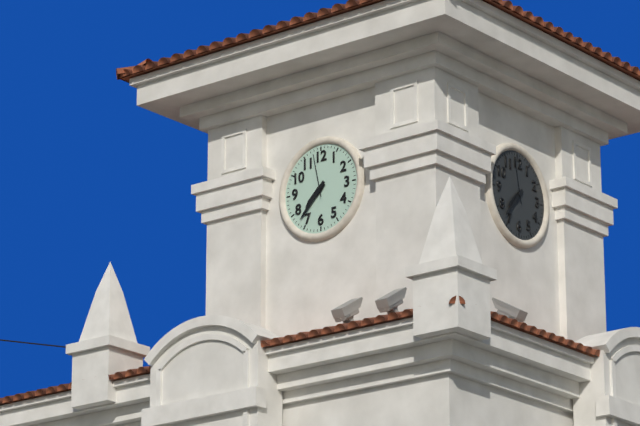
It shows **7:37**
